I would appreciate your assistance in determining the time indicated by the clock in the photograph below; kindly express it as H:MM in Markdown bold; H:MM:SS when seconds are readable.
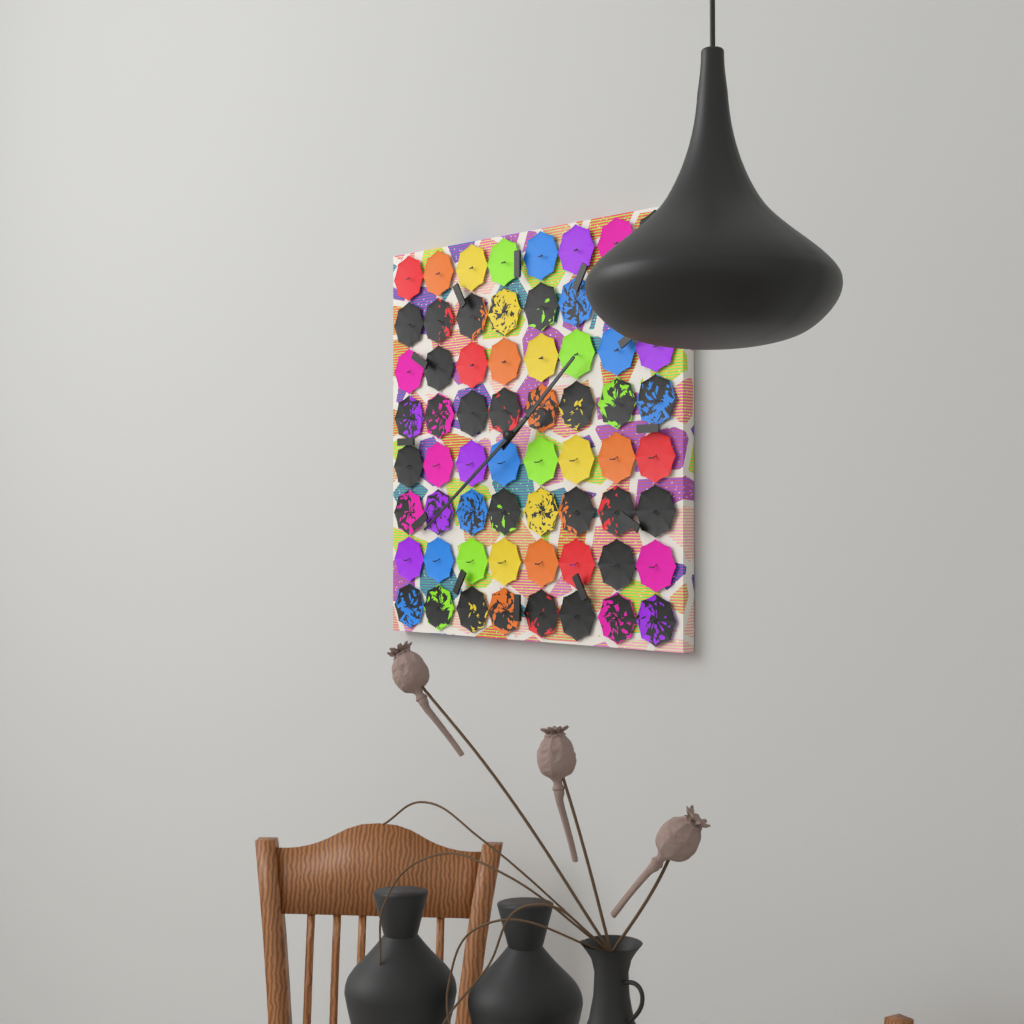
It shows **1:39**
